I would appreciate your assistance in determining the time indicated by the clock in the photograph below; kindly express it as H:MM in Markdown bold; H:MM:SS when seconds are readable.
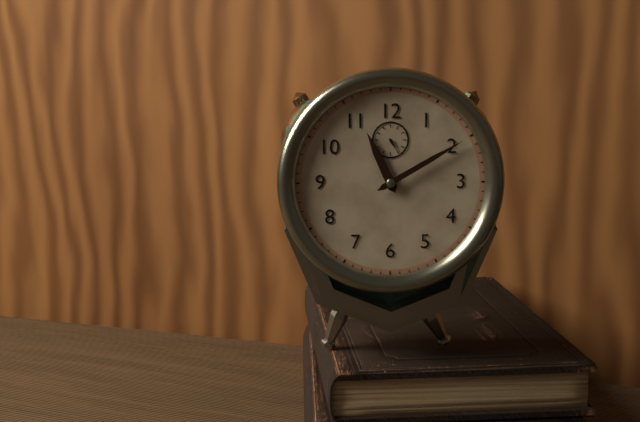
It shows **11:10**
